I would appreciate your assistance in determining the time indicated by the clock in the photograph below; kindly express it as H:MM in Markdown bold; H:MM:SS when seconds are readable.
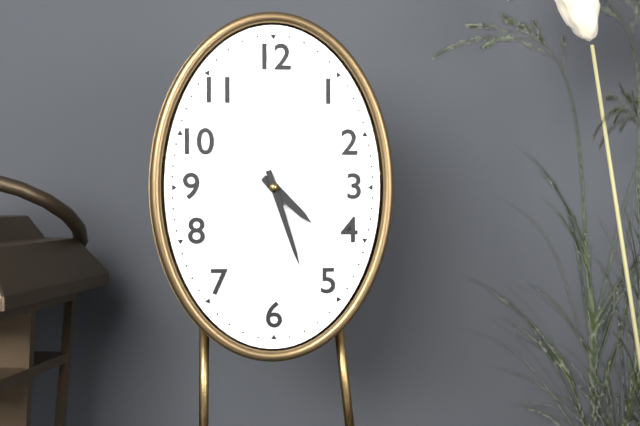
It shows **4:27**
